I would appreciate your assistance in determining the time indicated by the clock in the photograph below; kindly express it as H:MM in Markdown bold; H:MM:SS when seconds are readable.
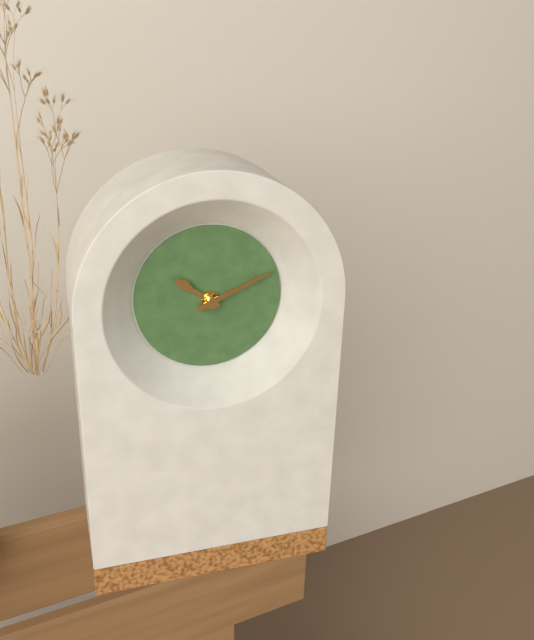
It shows **10:11**
